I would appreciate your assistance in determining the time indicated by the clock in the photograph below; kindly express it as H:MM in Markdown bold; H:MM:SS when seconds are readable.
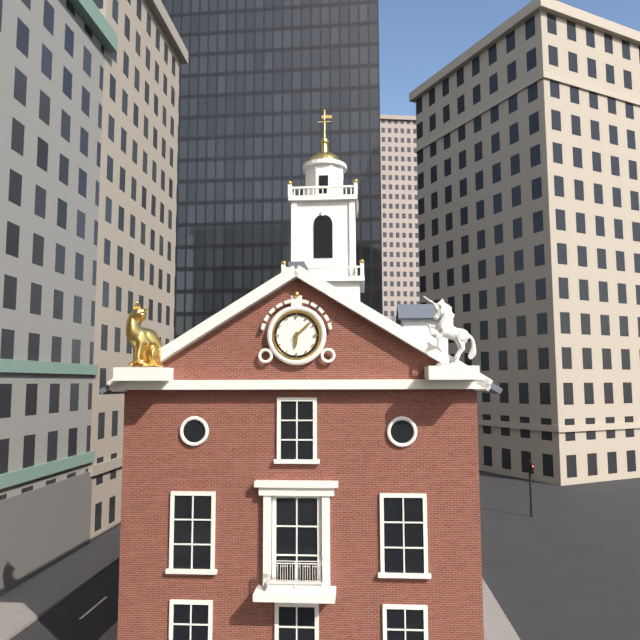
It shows **6:08**
